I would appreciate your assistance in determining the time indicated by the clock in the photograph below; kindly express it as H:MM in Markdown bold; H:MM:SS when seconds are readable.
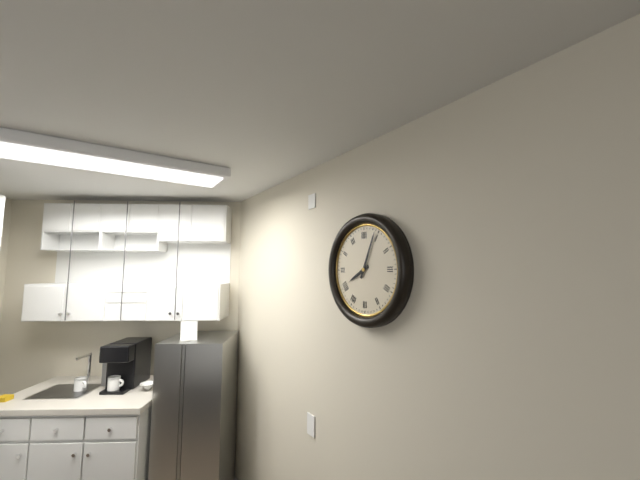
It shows **8:04**
